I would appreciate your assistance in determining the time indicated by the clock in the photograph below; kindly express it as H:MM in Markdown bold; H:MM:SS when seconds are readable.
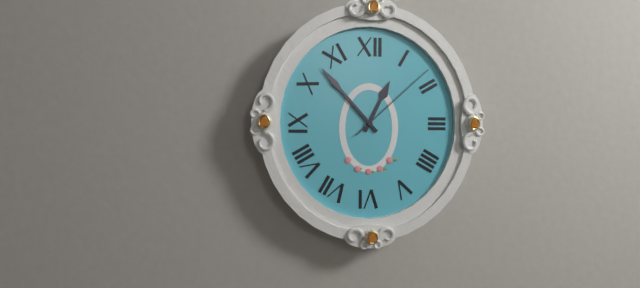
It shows **12:53:08**
